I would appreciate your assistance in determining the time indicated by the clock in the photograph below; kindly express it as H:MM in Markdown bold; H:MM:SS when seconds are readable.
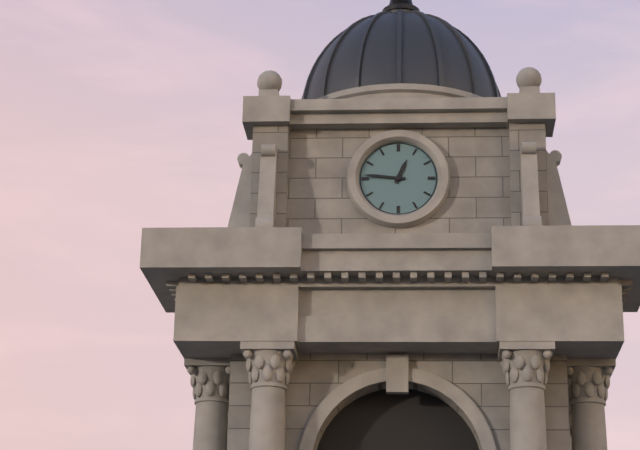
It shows **12:46**
